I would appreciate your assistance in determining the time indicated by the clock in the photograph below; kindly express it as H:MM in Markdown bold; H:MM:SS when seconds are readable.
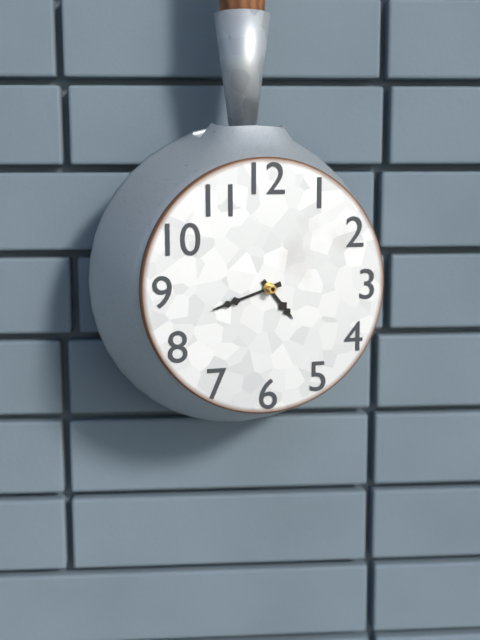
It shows **4:42**
